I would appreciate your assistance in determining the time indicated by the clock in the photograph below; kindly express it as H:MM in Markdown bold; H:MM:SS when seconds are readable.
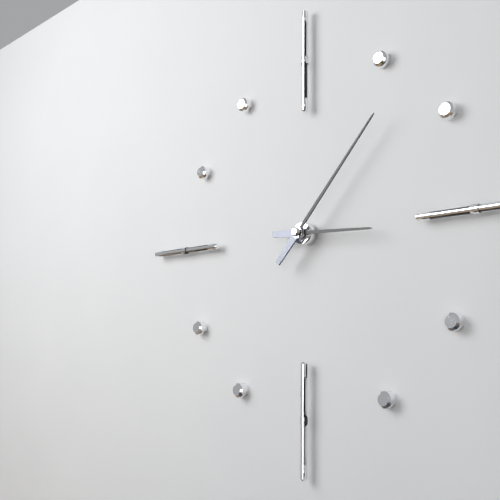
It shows **3:07**
